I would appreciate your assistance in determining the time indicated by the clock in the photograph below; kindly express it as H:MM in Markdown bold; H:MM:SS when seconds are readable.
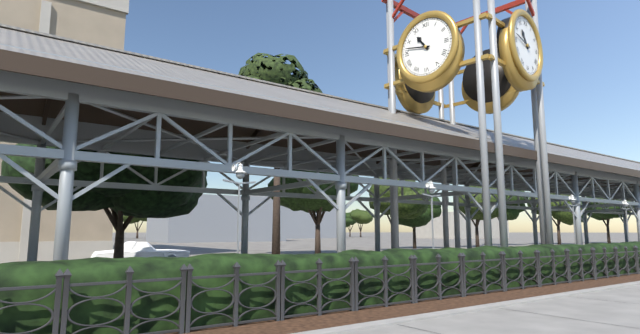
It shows **10:47**
